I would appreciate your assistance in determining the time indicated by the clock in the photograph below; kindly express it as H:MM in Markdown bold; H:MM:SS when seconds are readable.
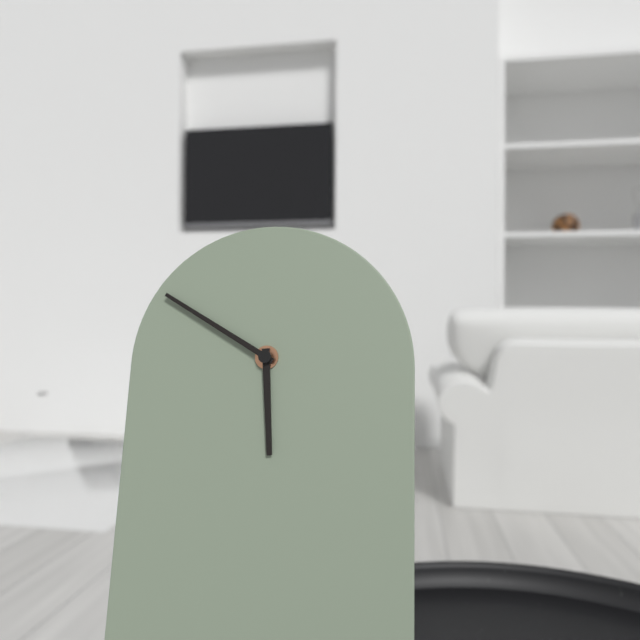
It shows **5:50**
